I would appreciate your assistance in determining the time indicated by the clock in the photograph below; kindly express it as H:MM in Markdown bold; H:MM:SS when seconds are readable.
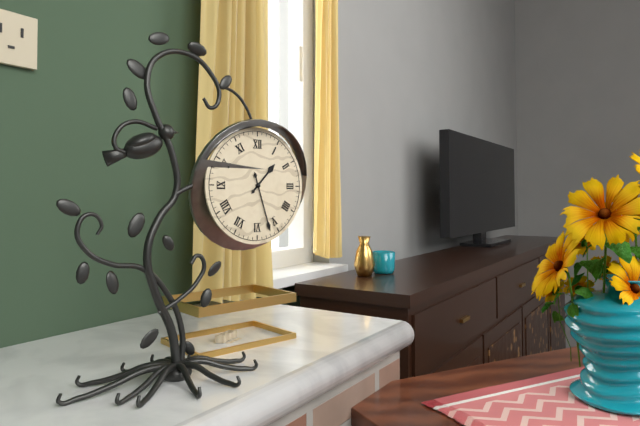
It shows **1:27**
